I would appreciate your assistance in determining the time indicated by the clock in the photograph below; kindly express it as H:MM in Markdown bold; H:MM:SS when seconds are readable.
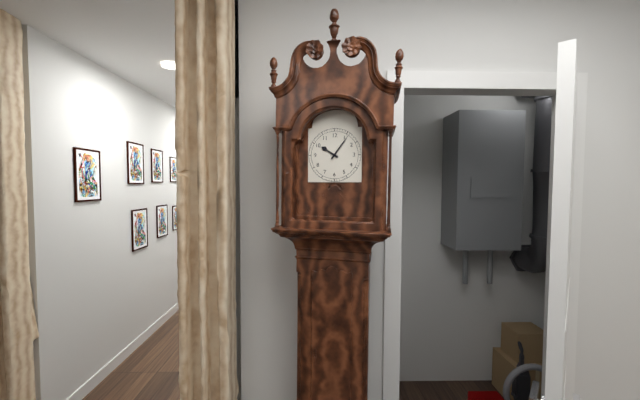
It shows **10:06**
